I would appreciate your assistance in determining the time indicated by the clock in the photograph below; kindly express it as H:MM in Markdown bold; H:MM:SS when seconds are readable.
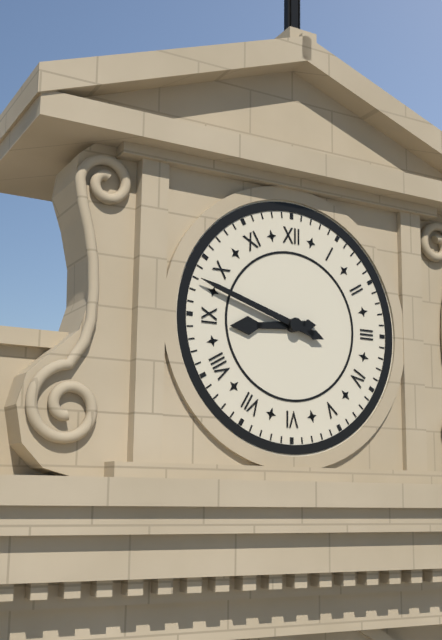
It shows **8:48**
